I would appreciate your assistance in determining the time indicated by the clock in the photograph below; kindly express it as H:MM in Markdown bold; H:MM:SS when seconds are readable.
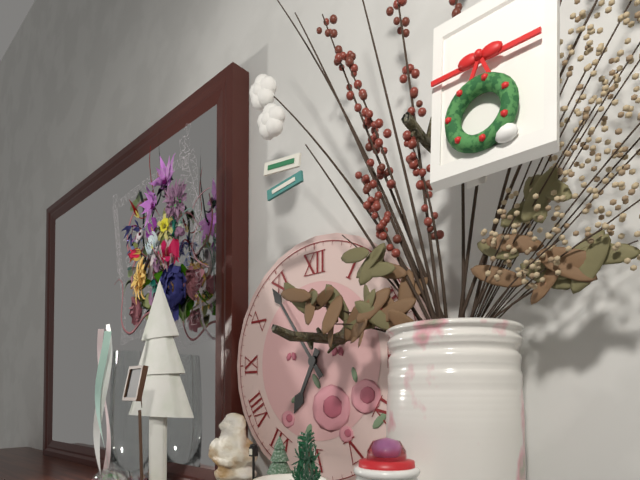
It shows **6:54**
